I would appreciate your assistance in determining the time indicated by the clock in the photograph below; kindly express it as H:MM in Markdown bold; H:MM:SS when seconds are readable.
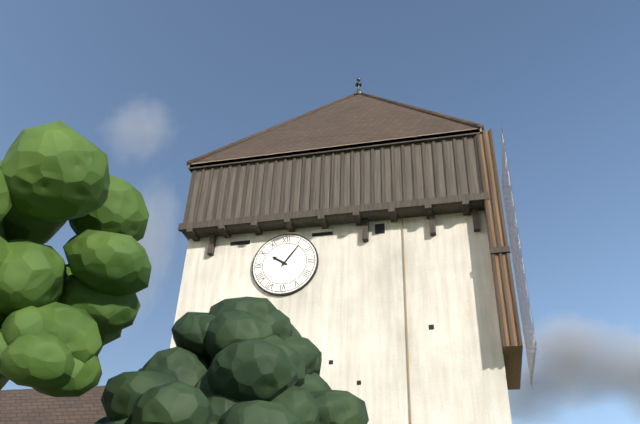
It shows **10:06**
